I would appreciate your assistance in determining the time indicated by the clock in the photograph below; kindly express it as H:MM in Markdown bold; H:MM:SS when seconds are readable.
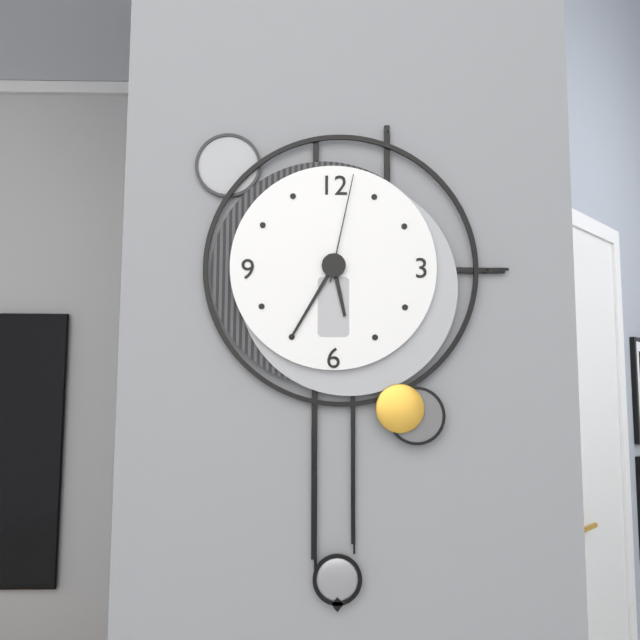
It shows **5:35:02**
